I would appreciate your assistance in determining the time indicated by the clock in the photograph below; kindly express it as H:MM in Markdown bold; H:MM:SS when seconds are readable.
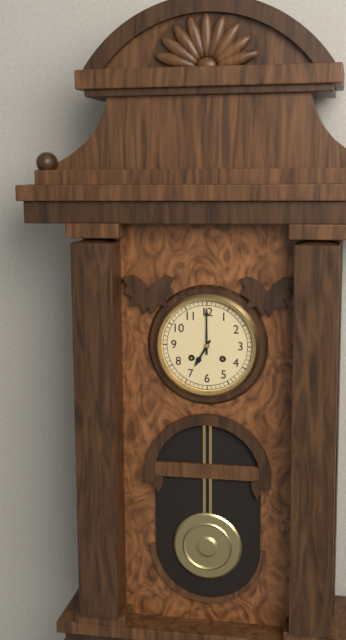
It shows **7:00**
